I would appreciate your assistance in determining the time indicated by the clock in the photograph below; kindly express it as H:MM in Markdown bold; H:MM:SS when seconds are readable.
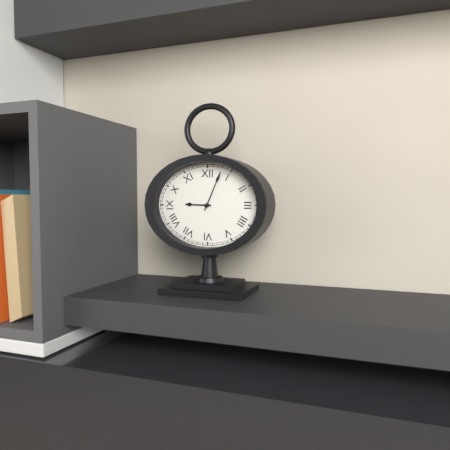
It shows **9:04**
